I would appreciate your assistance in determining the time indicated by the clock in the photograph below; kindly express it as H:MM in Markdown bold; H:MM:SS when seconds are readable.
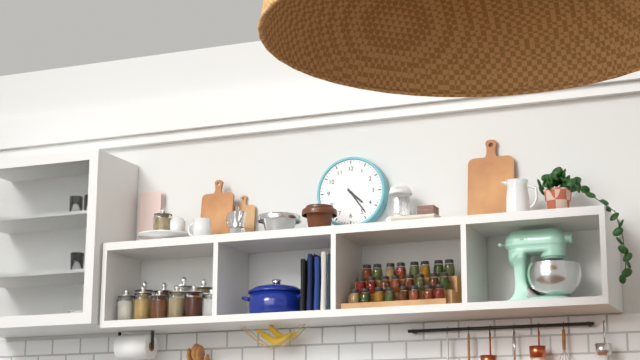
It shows **4:24**
